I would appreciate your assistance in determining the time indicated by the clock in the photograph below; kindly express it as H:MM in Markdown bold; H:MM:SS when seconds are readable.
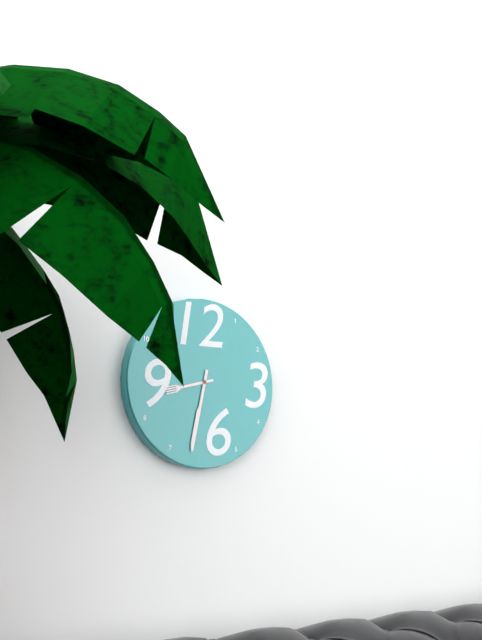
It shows **8:32**
